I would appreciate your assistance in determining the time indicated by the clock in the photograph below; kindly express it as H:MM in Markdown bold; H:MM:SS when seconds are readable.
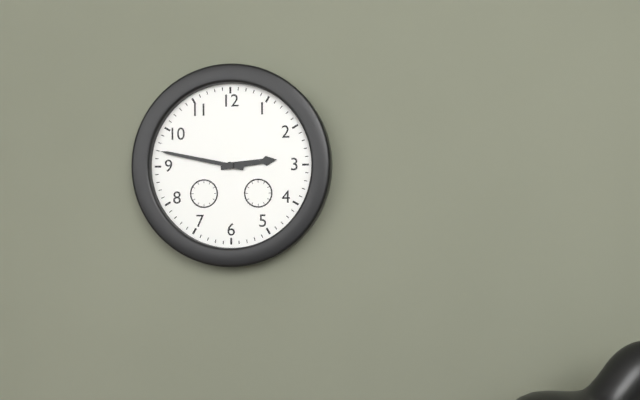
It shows **2:47**
